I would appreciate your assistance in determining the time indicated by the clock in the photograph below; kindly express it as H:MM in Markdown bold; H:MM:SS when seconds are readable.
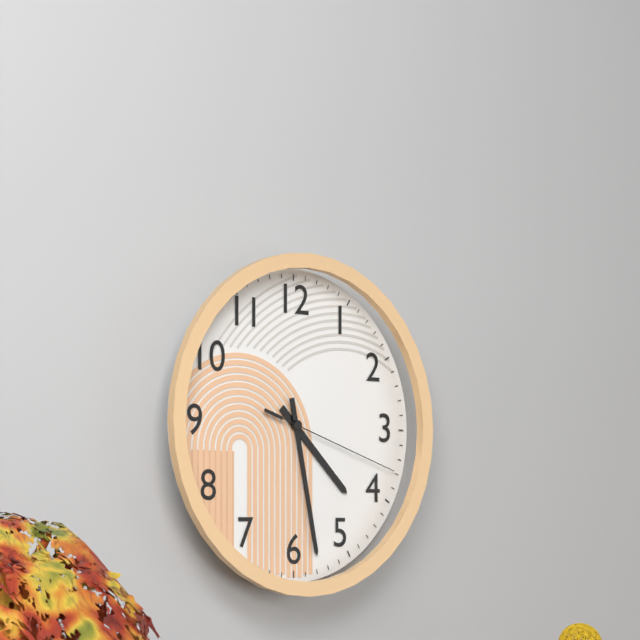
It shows **4:28:18**
